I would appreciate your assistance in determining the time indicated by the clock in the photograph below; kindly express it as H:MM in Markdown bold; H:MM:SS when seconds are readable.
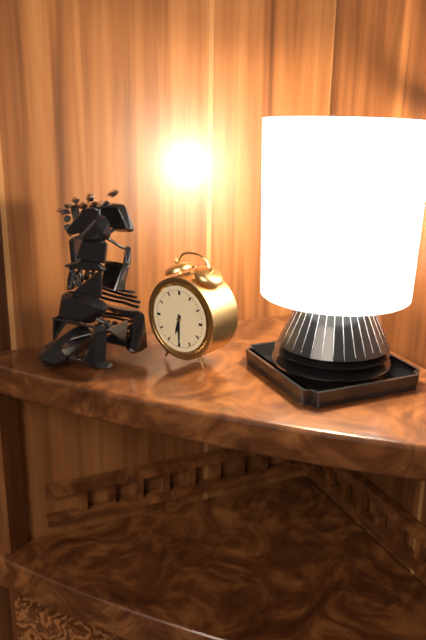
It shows **6:30**
